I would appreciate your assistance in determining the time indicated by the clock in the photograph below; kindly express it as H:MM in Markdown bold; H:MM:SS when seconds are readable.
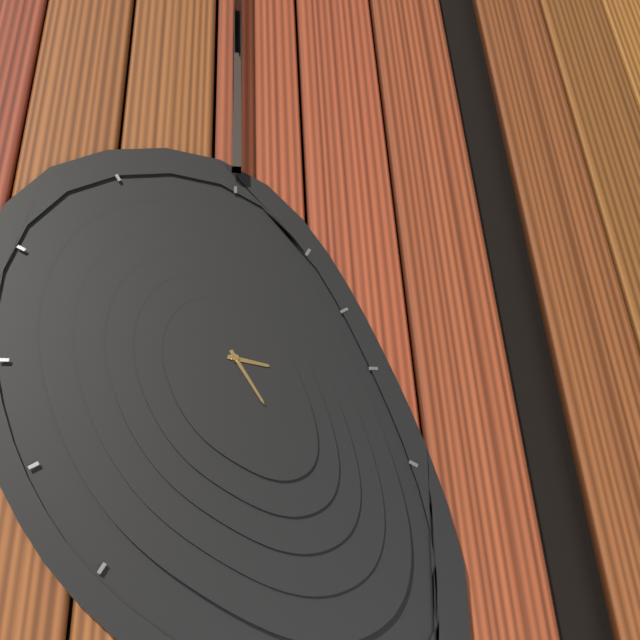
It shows **3:25**
